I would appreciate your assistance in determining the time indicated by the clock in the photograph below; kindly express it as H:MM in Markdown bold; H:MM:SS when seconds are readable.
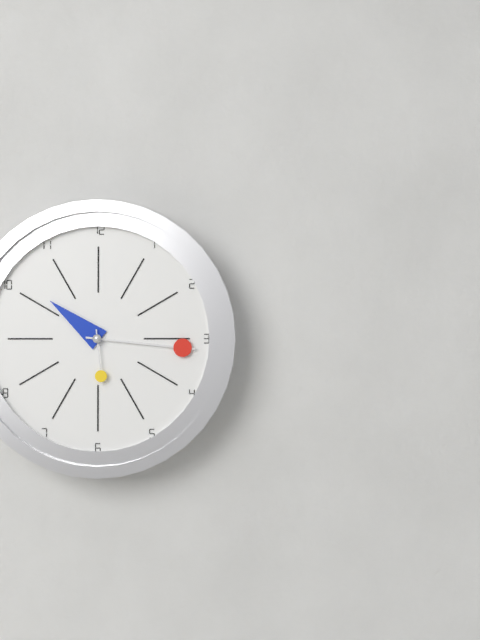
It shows **10:16:29**
